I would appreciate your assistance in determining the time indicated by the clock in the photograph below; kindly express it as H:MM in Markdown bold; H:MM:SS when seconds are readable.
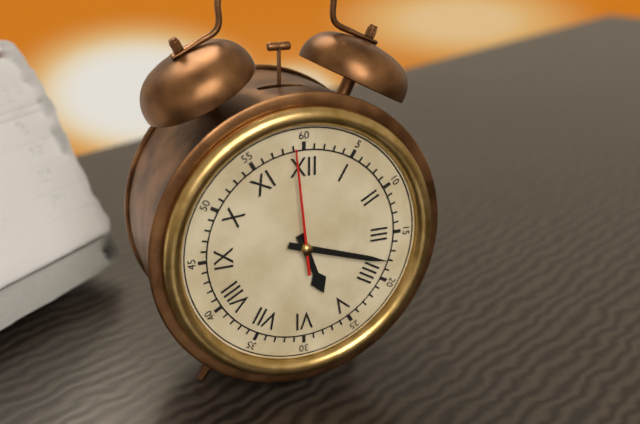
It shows **5:18:59**
